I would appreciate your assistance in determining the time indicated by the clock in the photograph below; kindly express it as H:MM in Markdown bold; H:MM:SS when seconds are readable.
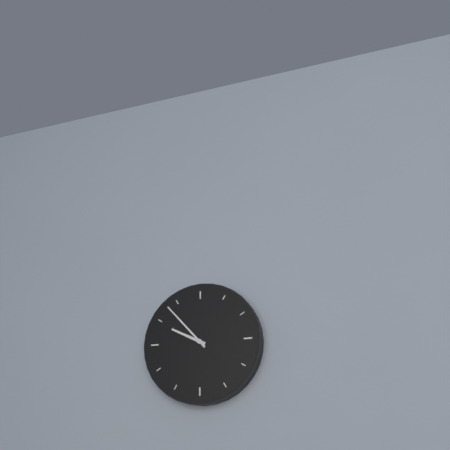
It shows **9:53**
